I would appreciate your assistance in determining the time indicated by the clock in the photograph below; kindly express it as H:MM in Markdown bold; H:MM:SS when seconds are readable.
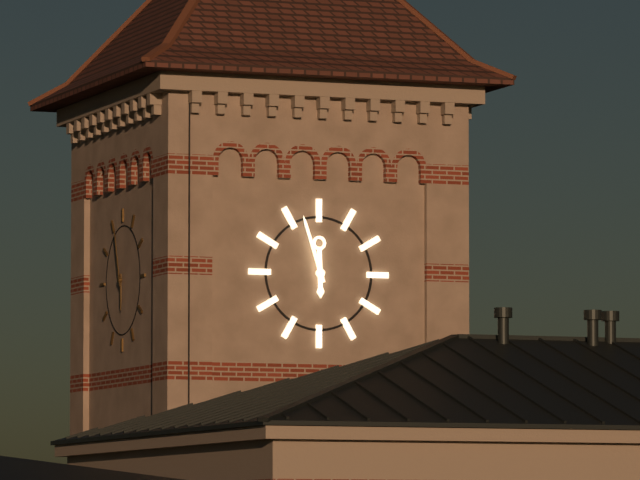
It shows **5:57**
